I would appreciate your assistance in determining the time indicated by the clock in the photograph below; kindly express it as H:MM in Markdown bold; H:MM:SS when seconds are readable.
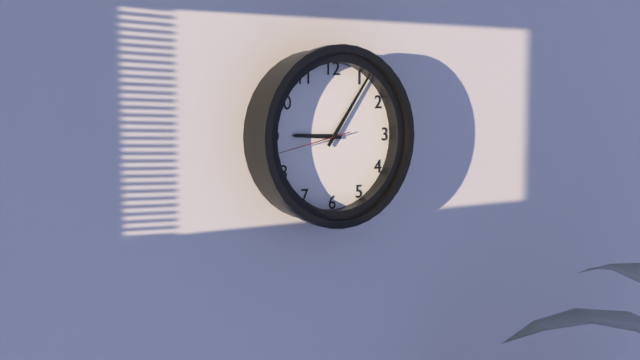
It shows **9:06:43**
